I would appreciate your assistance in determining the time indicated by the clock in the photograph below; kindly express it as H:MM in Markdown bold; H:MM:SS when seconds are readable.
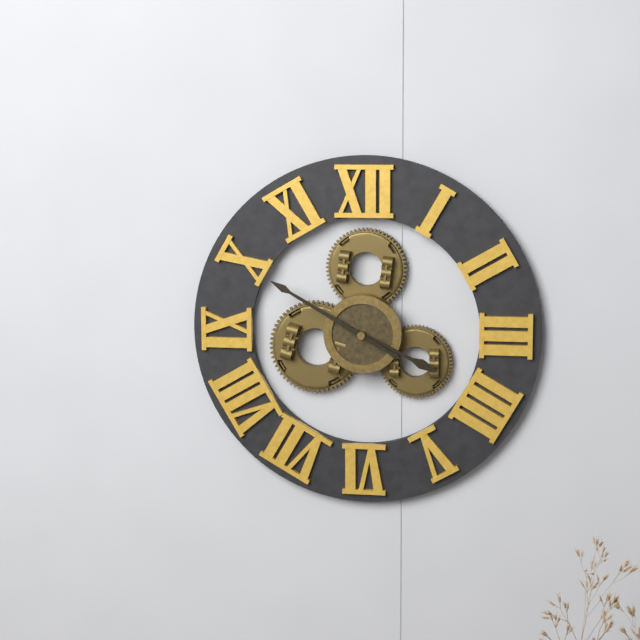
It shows **3:50**
